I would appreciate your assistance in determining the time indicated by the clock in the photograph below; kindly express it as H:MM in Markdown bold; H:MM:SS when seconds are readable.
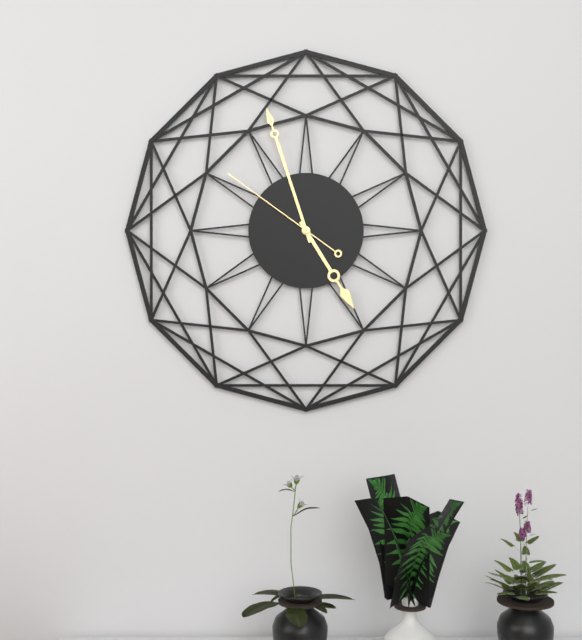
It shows **4:57:51**
